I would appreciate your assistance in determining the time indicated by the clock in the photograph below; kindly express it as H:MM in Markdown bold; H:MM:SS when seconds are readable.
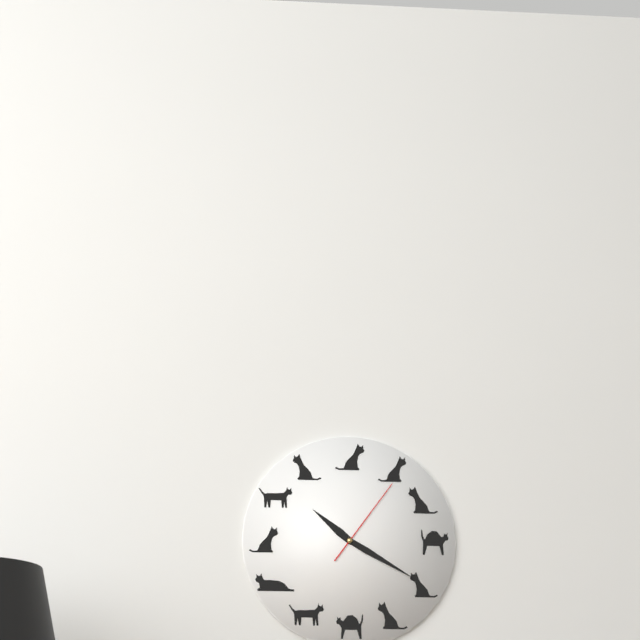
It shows **10:20:06**
